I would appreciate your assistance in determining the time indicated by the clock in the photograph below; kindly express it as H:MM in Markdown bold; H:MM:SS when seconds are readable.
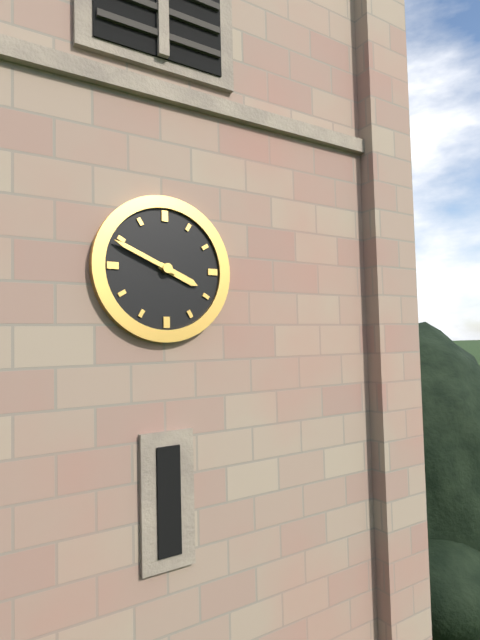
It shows **3:49**
